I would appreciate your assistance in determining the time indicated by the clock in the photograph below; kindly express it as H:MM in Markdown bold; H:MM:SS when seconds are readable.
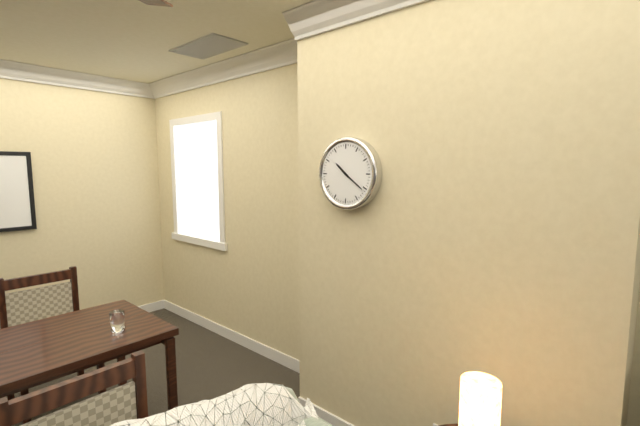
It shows **10:21**
